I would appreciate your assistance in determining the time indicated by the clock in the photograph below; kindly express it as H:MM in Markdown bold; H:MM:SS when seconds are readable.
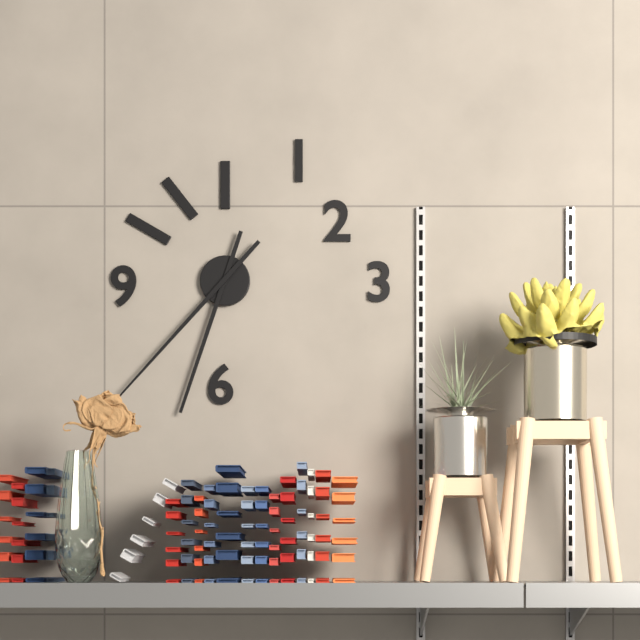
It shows **6:37**
